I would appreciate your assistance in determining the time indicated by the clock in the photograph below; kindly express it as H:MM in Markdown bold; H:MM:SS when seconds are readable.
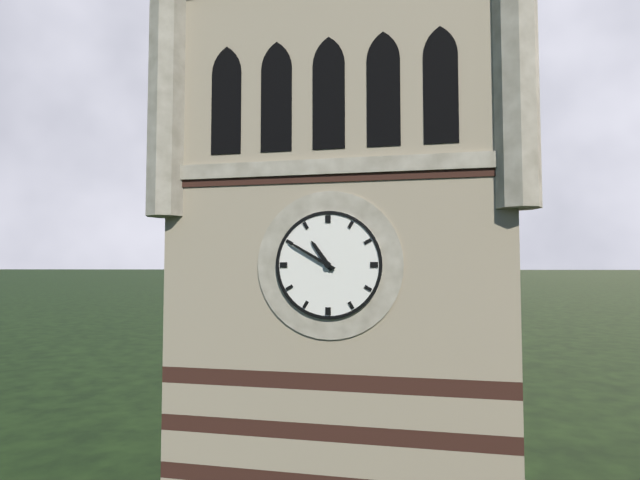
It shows **10:50**
